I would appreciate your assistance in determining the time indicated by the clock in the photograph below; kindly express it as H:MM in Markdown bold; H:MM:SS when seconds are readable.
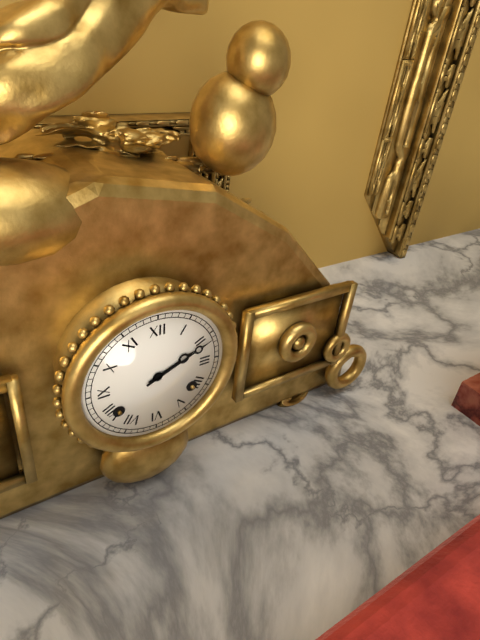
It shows **2:11**
